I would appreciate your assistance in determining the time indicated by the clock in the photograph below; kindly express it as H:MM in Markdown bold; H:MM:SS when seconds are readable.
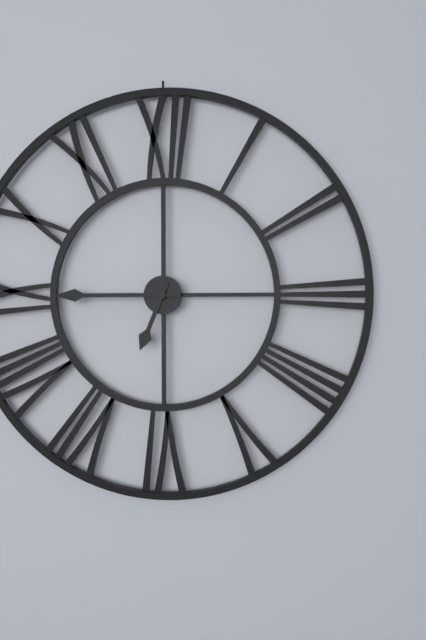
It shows **6:45**
